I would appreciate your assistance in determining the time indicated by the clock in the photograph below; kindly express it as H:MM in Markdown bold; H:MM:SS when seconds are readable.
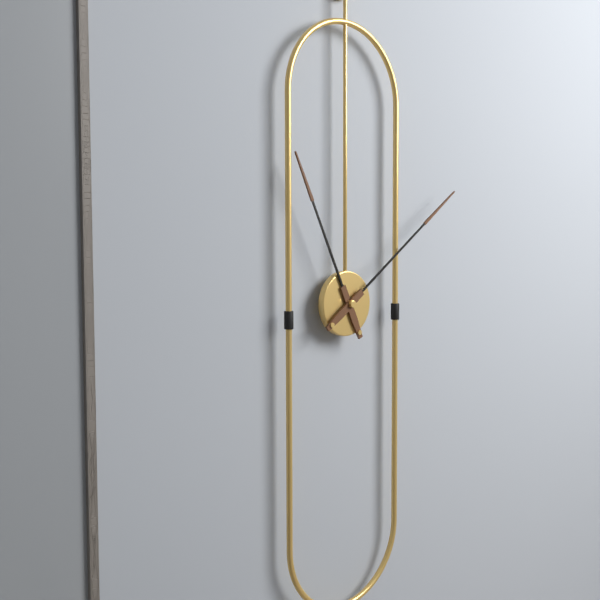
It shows **11:09**
